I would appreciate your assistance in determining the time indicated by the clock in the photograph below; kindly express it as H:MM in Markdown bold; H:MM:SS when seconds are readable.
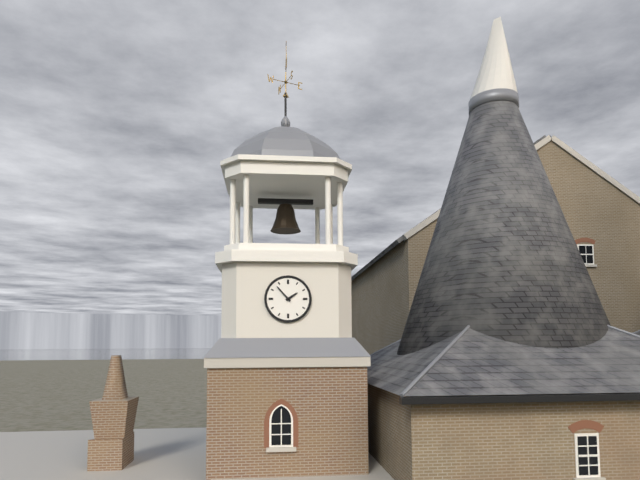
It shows **1:53**
